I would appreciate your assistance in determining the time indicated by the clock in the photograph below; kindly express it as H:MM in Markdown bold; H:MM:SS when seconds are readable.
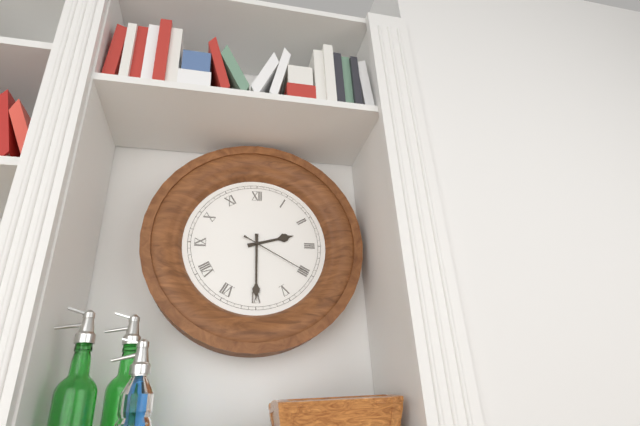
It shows **2:30:20**
